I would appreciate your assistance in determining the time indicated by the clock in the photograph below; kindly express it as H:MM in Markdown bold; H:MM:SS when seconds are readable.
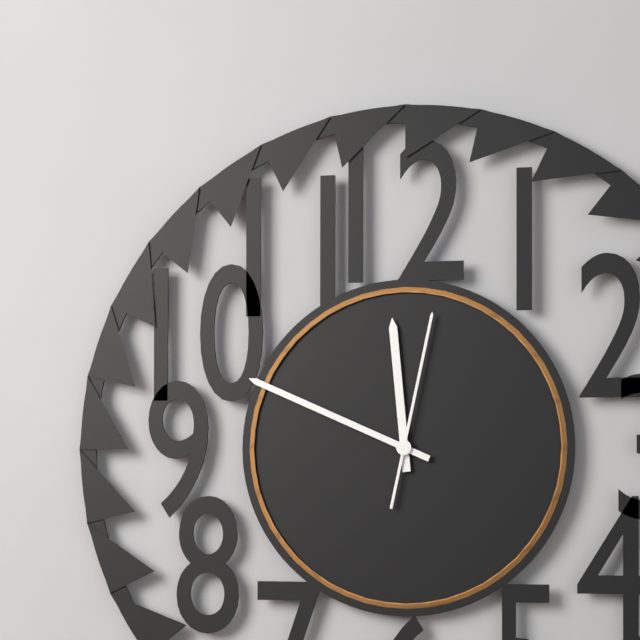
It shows **11:49:02**
